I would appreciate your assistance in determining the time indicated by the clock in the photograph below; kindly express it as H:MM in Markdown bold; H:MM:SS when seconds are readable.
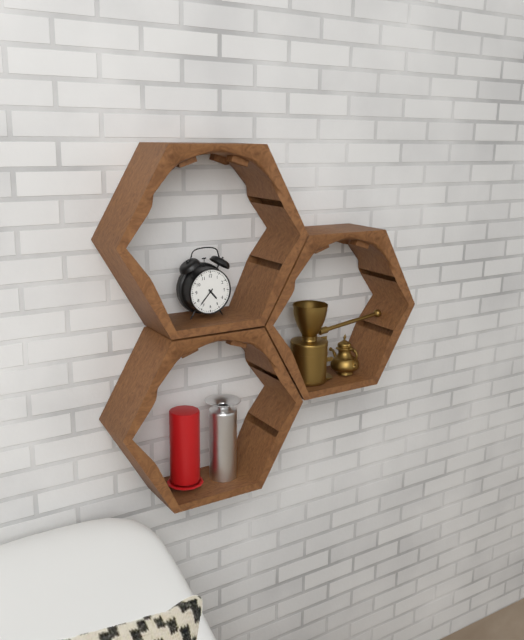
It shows **4:37**
